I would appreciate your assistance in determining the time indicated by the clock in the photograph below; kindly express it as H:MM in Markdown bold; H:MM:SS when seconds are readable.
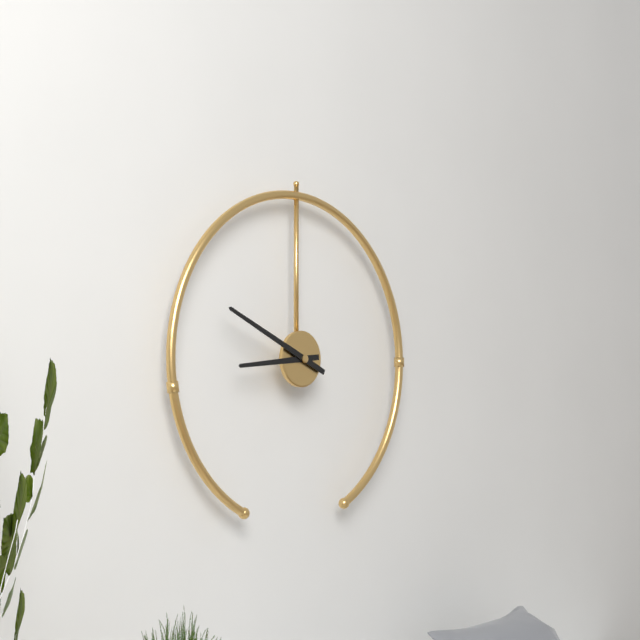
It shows **8:49**
